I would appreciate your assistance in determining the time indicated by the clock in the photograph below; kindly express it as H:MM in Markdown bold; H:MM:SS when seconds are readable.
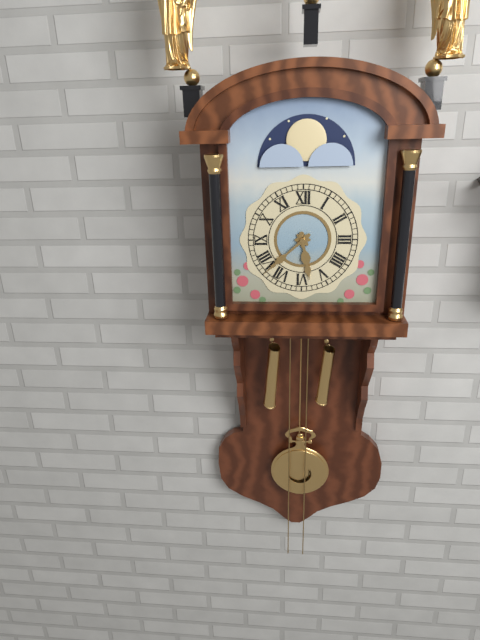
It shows **5:38**
